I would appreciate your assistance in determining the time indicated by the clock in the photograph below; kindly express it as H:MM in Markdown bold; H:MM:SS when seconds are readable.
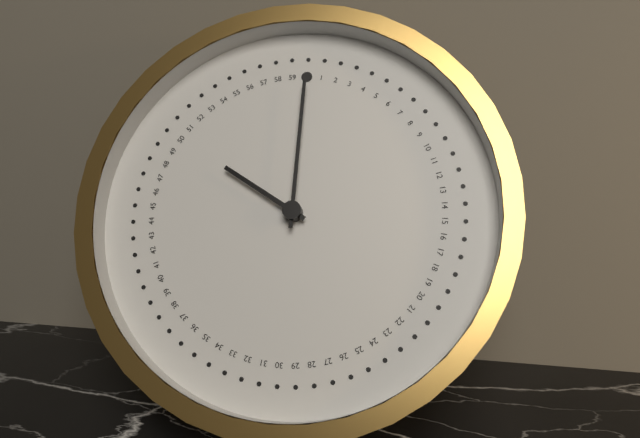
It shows **10:00**
